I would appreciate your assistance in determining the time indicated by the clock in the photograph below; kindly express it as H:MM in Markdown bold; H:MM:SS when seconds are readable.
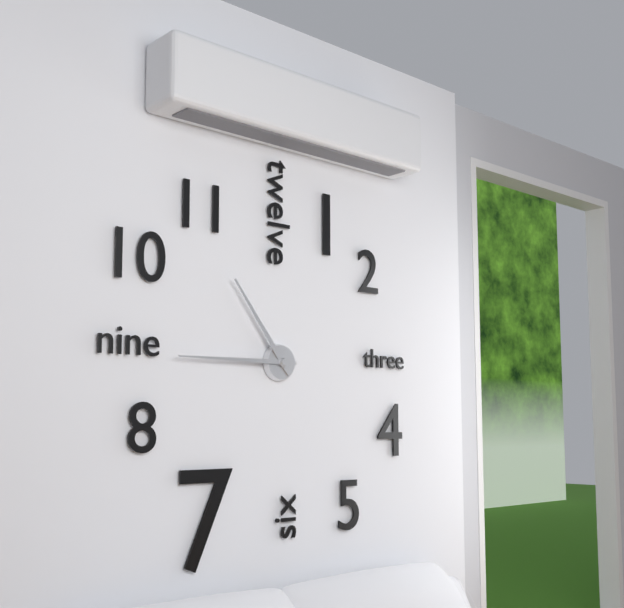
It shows **10:45**
